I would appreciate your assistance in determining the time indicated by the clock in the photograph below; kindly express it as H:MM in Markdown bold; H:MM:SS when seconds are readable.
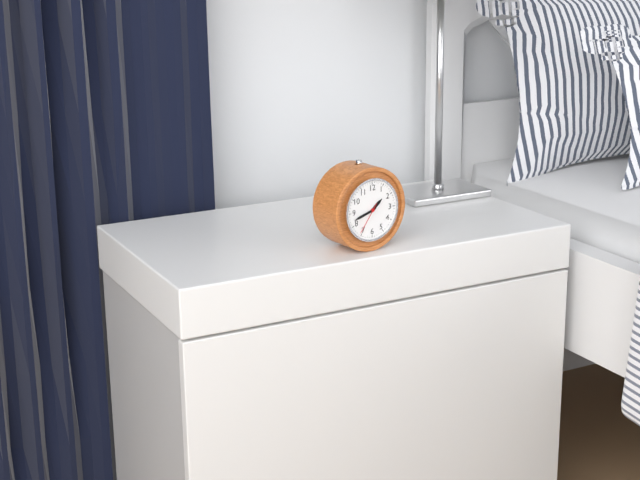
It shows **1:42**
